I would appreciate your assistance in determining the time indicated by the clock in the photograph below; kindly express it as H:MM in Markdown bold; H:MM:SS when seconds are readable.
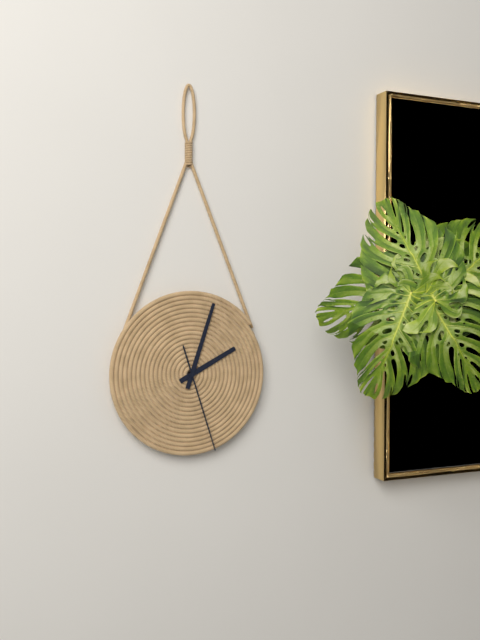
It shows **2:03:27**
